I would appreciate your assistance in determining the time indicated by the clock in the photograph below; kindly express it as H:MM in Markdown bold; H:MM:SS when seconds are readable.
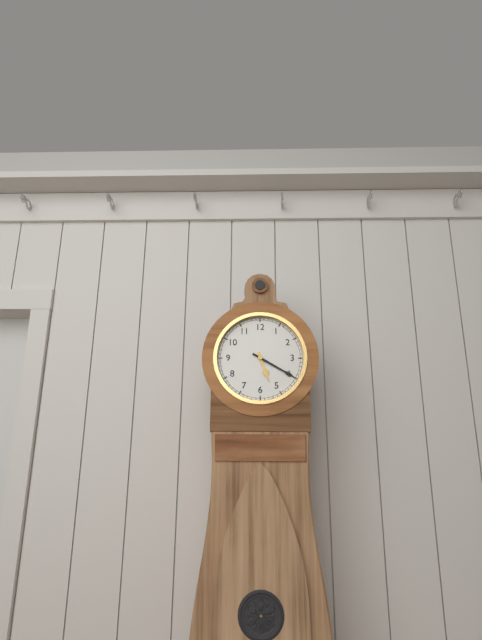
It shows **5:20**
